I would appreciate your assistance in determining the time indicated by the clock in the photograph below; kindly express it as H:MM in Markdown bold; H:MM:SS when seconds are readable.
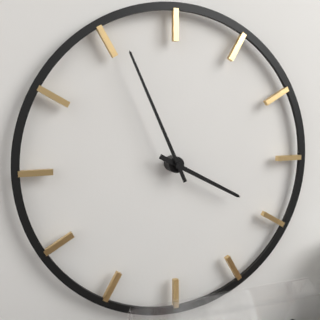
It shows **3:56**
